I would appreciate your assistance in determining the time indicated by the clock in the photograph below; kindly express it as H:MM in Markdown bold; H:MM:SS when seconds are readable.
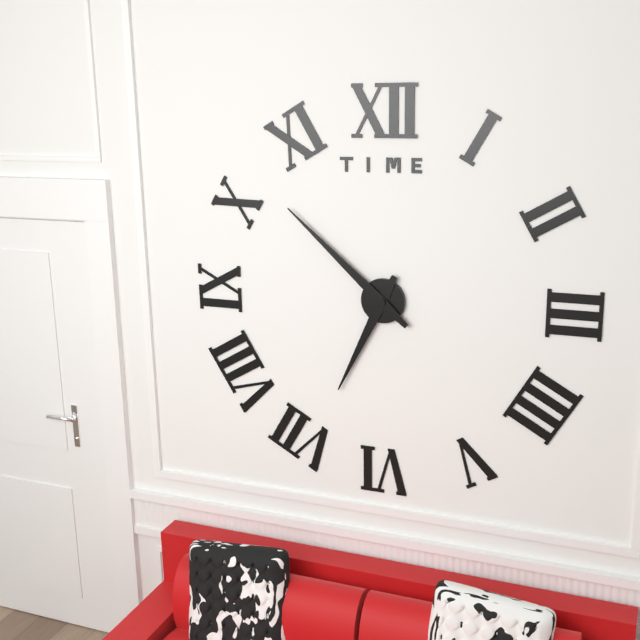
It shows **6:52**
